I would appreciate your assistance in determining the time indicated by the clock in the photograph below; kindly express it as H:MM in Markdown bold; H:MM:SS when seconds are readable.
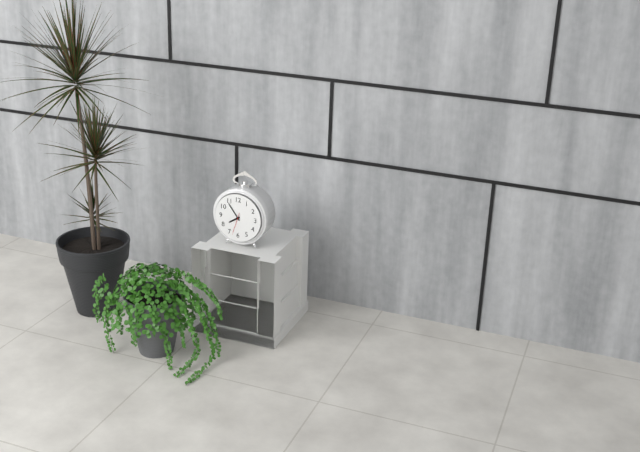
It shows **7:54**
